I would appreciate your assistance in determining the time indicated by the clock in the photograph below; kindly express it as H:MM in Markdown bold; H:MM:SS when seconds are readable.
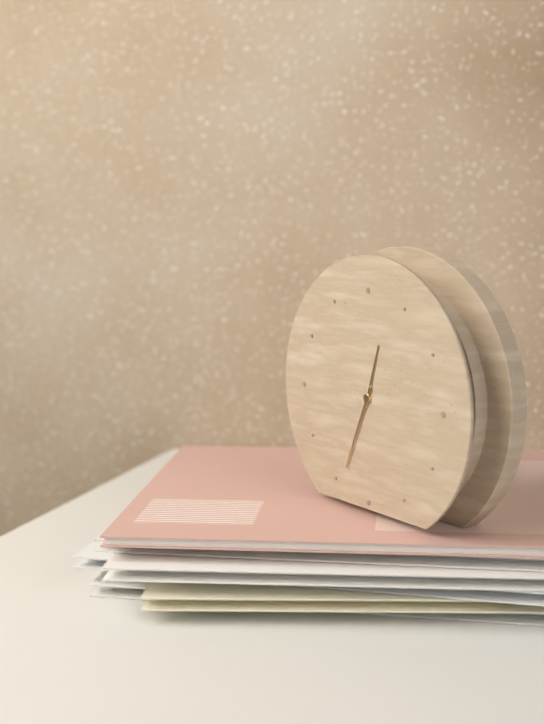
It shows **12:34**
